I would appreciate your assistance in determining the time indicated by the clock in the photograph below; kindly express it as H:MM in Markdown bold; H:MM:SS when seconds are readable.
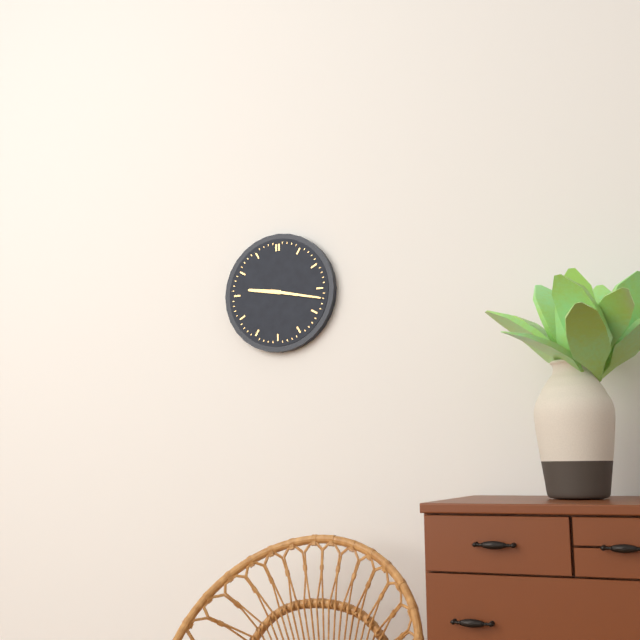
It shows **9:17**
